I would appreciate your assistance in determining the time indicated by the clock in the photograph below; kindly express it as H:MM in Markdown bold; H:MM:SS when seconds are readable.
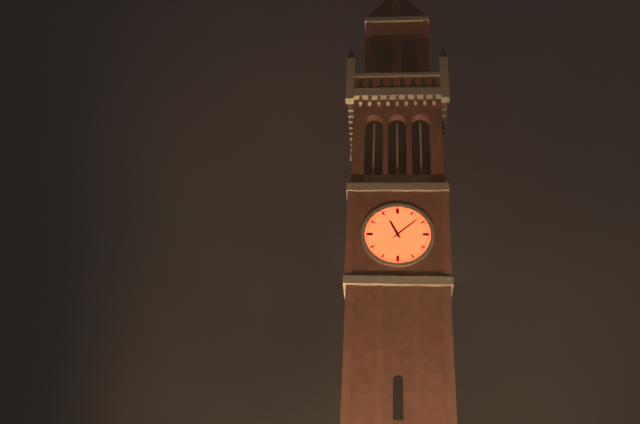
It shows **11:08**
